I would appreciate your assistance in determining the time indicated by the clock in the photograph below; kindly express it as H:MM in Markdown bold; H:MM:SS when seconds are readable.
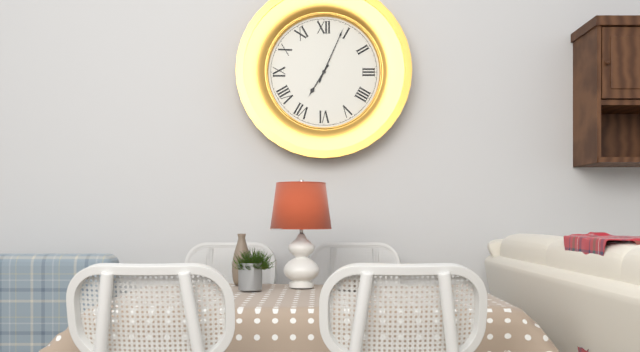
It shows **7:04**
